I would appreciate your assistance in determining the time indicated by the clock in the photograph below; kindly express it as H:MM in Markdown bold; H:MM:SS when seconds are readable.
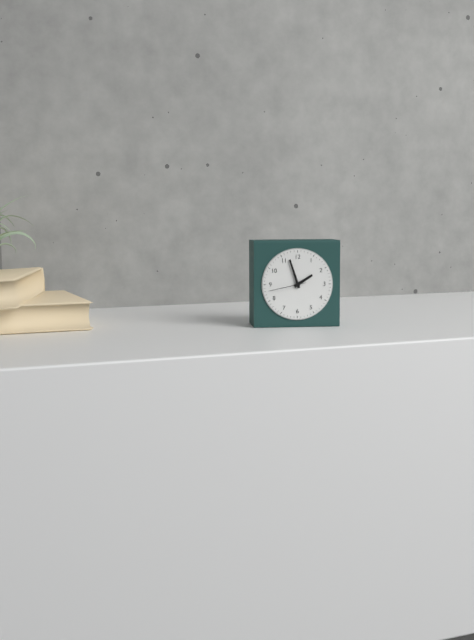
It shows **1:57**
